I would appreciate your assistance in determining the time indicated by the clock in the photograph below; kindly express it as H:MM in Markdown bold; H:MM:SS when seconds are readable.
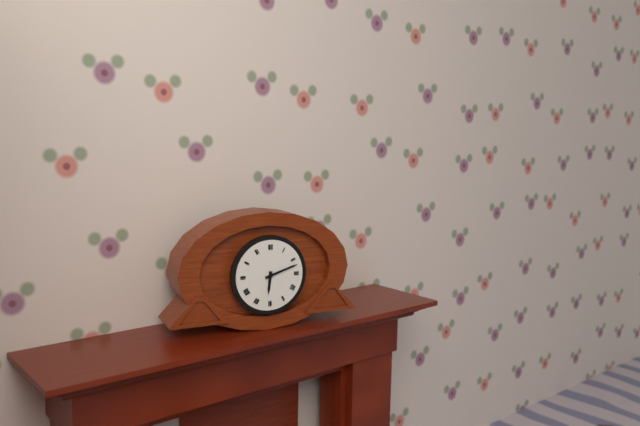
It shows **6:12**
